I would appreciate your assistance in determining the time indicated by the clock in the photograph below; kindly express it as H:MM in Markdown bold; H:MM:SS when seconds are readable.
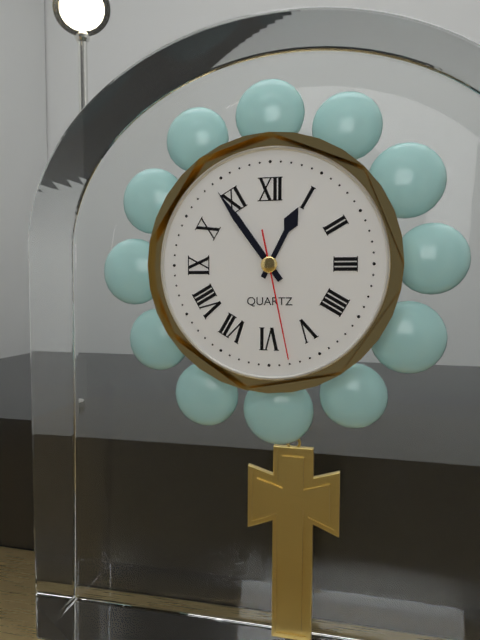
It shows **12:54:28**
